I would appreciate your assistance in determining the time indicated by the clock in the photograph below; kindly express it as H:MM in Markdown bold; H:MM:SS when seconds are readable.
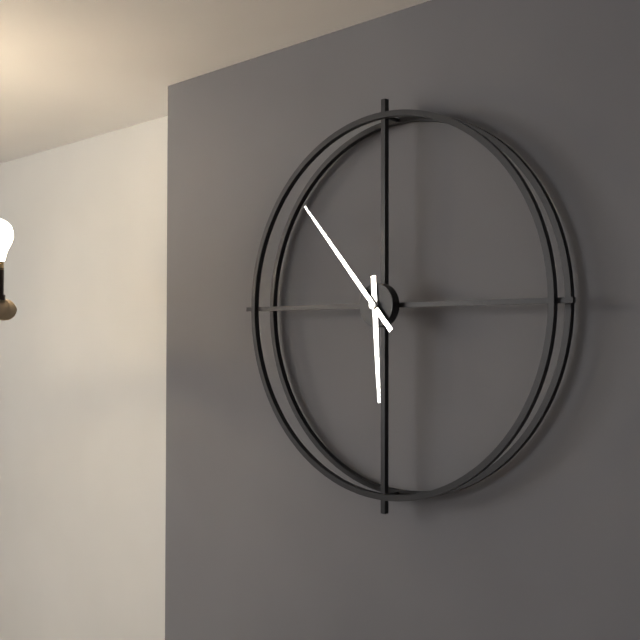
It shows **5:53**
